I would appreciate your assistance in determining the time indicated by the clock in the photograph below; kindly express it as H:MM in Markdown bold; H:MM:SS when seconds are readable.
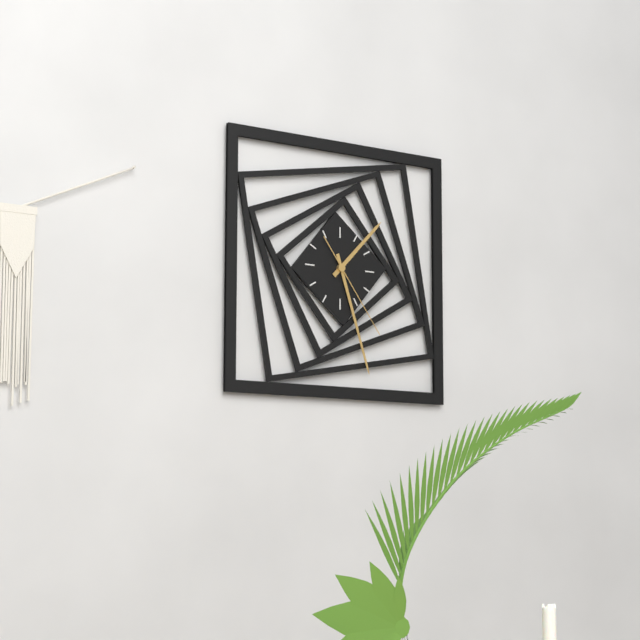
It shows **1:27:24**
